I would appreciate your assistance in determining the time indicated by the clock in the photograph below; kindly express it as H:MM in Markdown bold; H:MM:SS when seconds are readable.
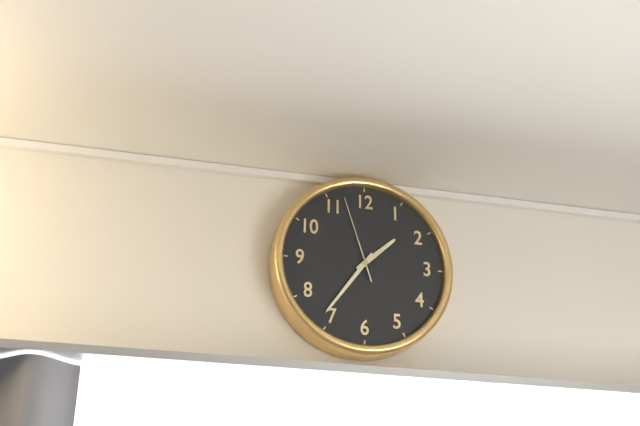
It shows **1:36:57**
